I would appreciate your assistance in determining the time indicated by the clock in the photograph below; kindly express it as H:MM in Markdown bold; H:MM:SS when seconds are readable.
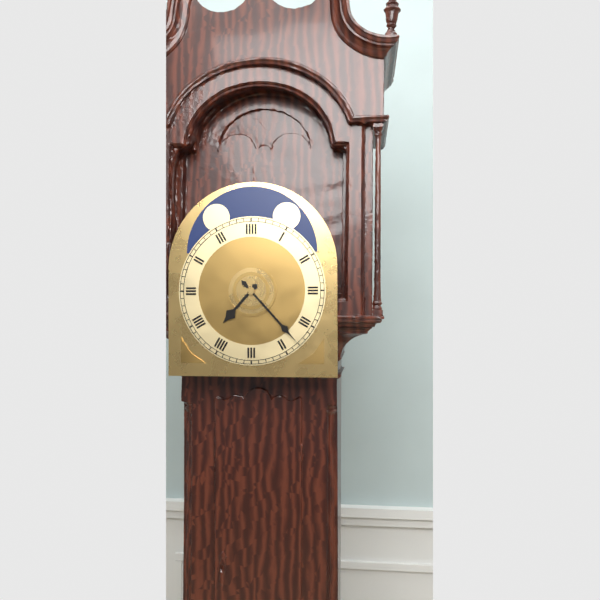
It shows **7:23**
